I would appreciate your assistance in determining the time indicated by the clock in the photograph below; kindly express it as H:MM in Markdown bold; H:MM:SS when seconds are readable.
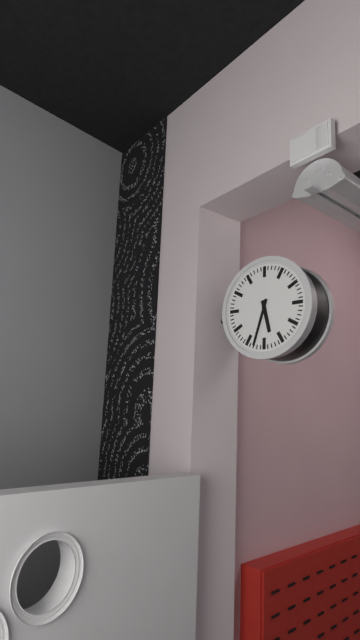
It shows **5:33**
